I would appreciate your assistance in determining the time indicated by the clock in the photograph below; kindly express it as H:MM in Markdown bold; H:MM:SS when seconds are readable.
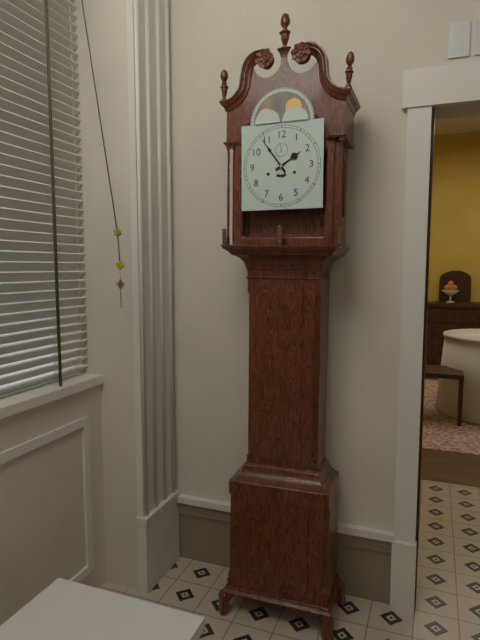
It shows **1:54**
